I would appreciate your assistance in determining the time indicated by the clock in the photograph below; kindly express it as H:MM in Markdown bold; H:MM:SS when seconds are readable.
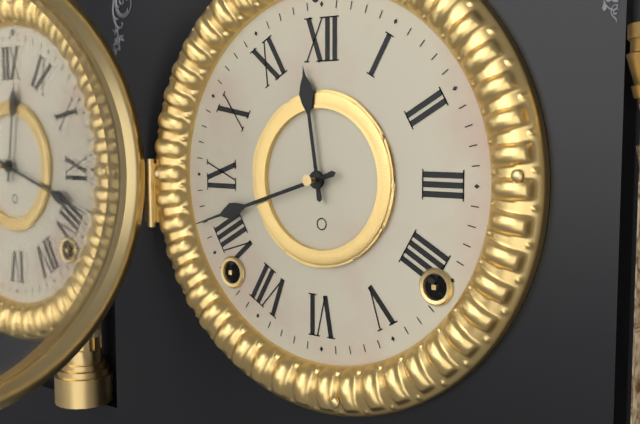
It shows **11:42**
